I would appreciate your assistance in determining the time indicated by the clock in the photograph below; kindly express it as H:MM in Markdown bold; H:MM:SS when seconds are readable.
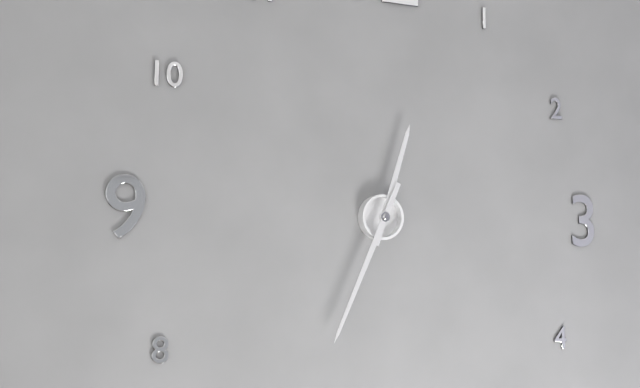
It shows **12:34**
